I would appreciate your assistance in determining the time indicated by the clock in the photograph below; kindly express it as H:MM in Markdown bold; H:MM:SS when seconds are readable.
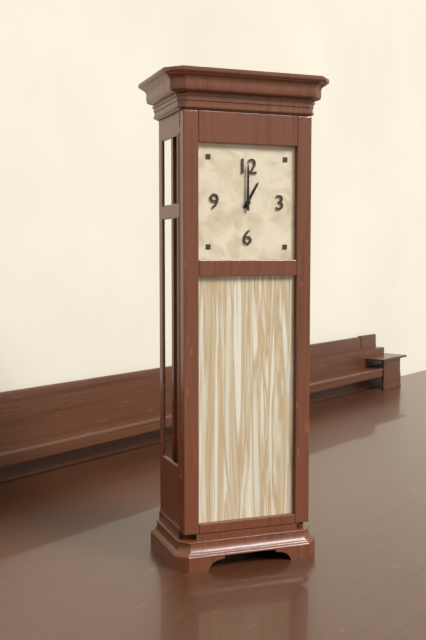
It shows **1:00**
